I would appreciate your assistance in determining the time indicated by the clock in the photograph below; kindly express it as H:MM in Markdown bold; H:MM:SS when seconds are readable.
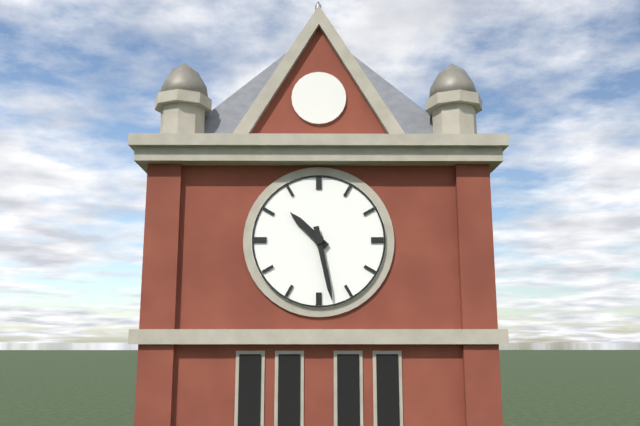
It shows **10:28**
